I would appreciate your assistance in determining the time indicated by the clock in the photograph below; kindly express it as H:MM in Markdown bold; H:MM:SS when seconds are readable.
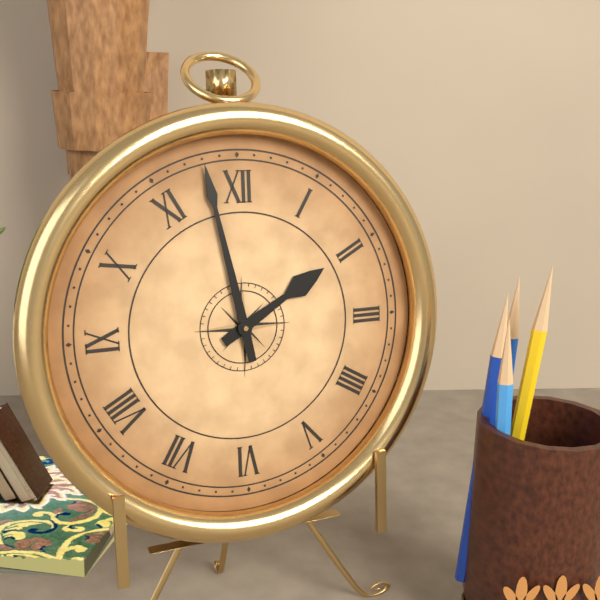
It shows **1:58**
